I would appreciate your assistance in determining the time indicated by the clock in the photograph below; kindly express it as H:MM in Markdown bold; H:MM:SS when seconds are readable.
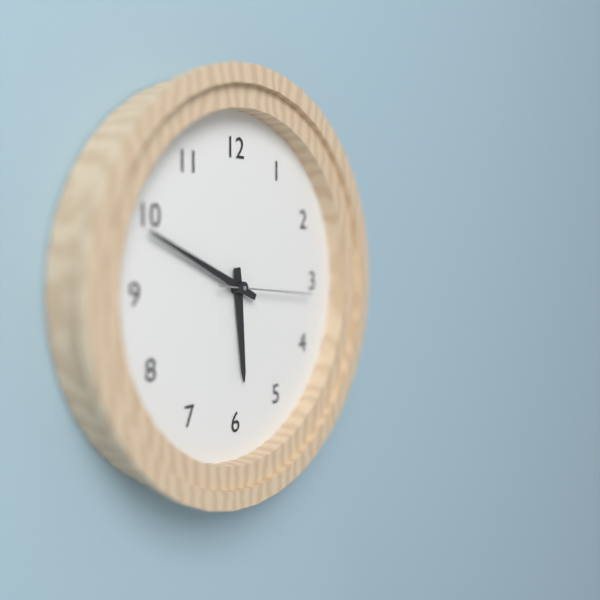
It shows **5:49:16**
